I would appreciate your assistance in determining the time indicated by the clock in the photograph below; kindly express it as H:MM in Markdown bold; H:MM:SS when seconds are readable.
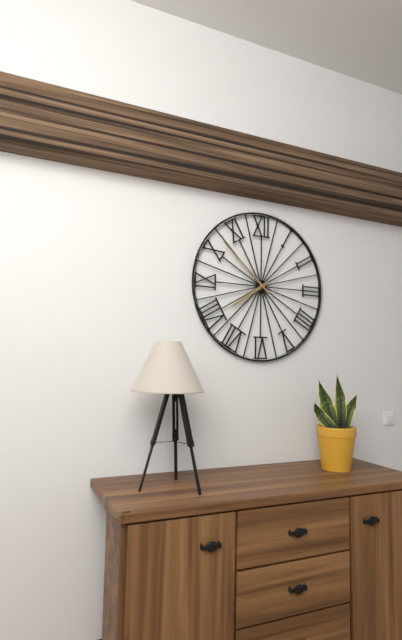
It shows **7:52**
